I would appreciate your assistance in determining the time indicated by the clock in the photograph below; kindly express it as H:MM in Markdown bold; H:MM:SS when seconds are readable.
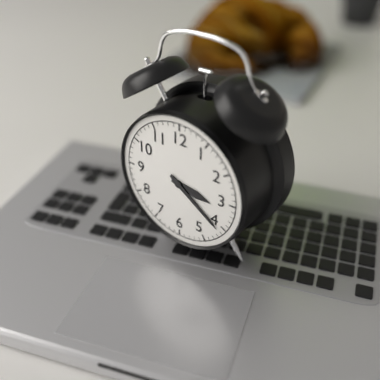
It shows **3:21**
